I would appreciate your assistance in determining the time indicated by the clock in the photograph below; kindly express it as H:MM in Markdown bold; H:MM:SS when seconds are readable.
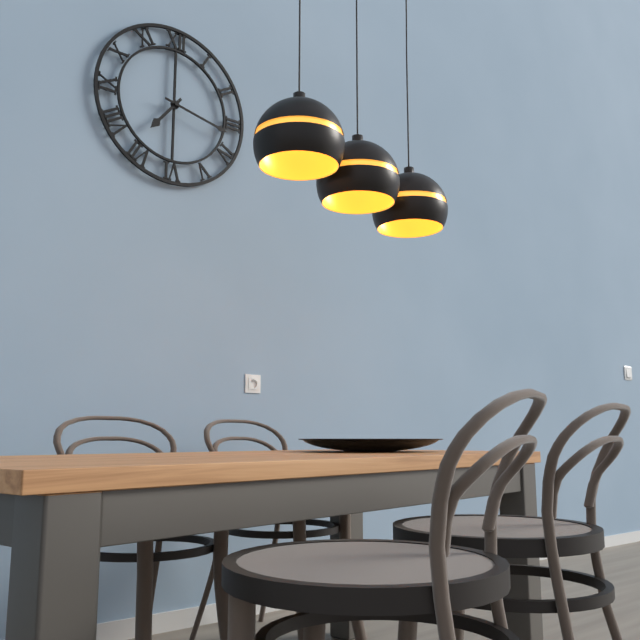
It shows **7:17**
